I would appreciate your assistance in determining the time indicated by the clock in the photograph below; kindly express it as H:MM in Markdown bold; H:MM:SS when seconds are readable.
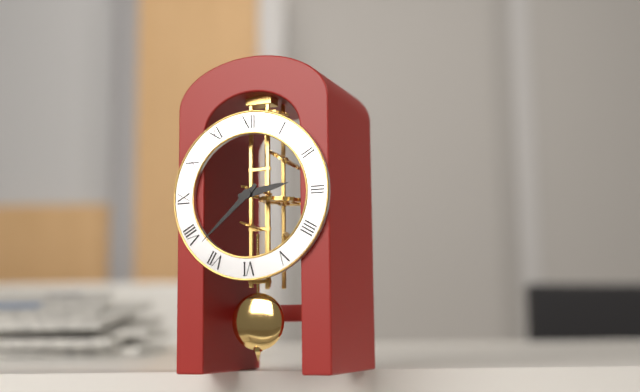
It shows **2:38**
